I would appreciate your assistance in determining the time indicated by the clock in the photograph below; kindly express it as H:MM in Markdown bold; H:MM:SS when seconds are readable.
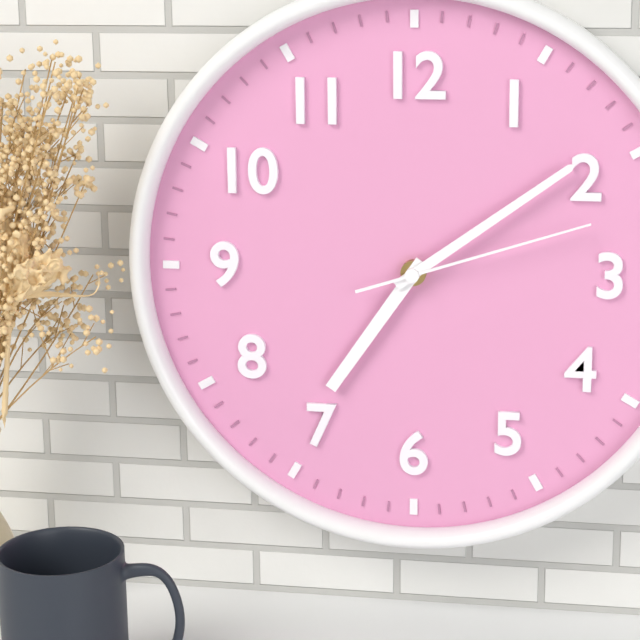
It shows **7:09:12**
